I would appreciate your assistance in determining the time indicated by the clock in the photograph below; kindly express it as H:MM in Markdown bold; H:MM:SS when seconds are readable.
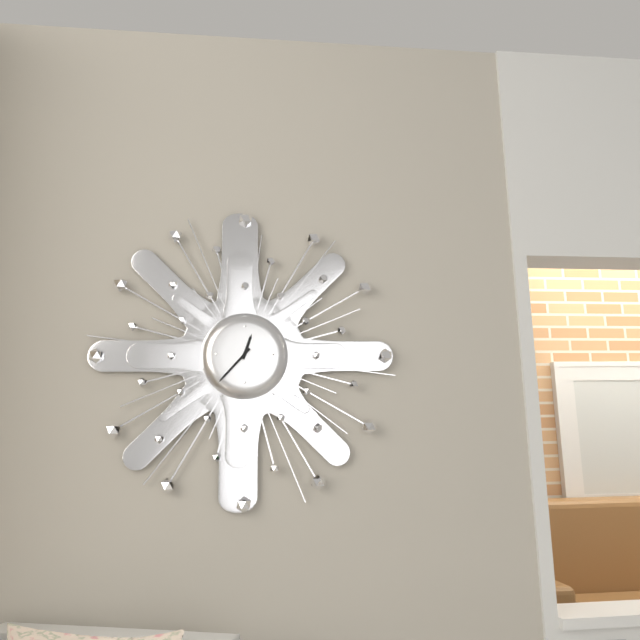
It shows **12:37**
